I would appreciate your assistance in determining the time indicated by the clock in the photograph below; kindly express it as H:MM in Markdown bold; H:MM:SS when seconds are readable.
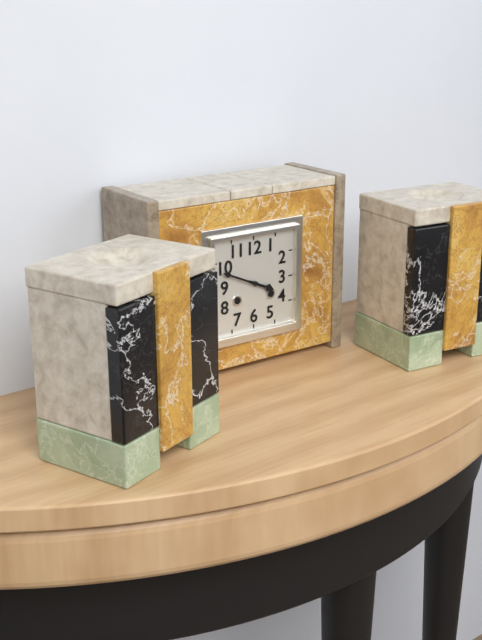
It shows **3:49**
